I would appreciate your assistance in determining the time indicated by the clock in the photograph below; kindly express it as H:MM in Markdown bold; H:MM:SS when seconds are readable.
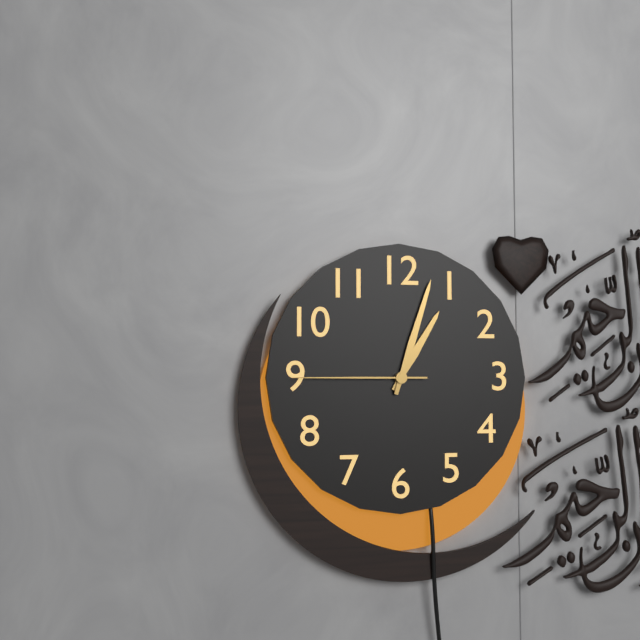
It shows **1:03:45**
